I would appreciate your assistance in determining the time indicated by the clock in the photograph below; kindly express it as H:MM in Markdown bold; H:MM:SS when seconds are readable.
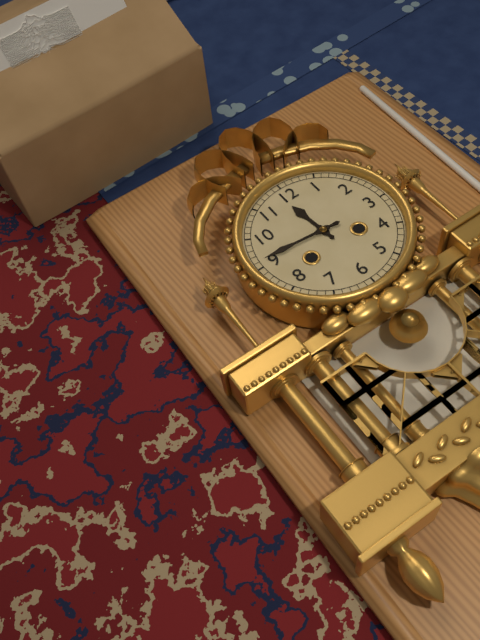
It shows **11:46**
